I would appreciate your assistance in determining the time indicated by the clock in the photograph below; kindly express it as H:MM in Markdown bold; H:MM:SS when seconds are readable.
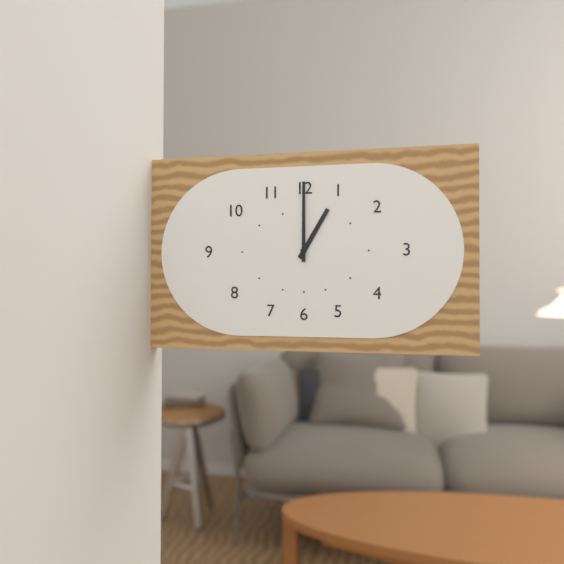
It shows **1:00**
